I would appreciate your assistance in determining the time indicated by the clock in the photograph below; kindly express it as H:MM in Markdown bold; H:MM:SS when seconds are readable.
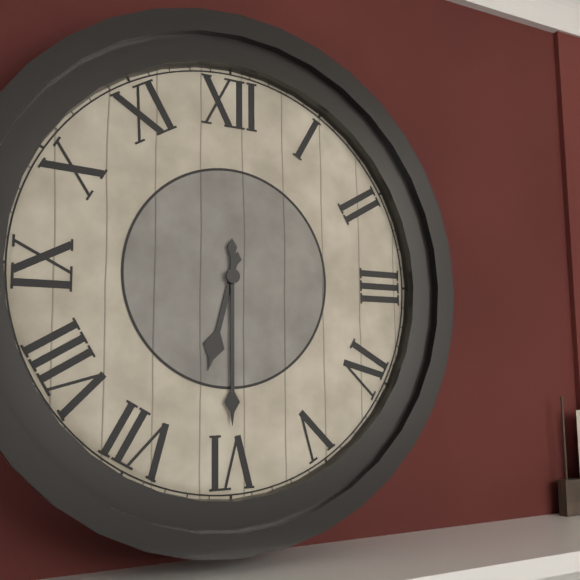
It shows **6:30**
